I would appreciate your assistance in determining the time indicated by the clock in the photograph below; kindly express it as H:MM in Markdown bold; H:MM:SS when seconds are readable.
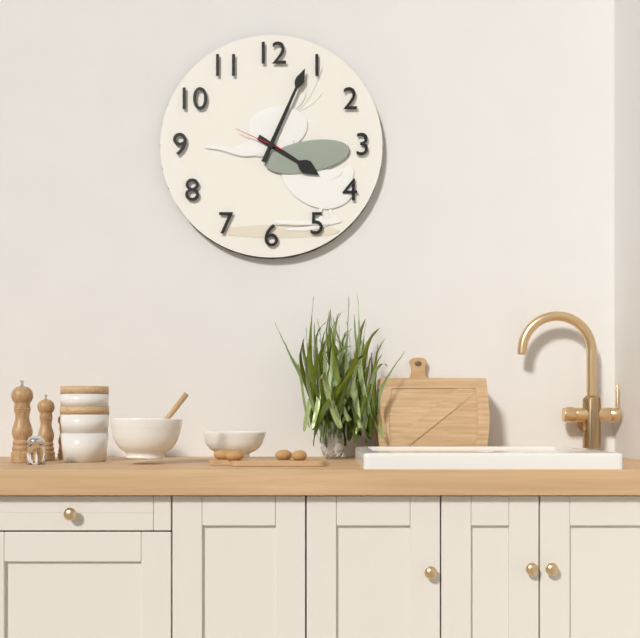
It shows **4:04:49**
